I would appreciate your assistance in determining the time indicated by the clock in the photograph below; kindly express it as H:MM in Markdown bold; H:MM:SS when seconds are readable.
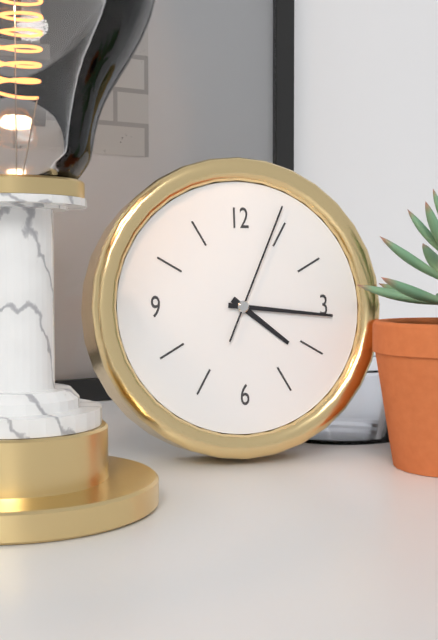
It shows **4:16:04**
